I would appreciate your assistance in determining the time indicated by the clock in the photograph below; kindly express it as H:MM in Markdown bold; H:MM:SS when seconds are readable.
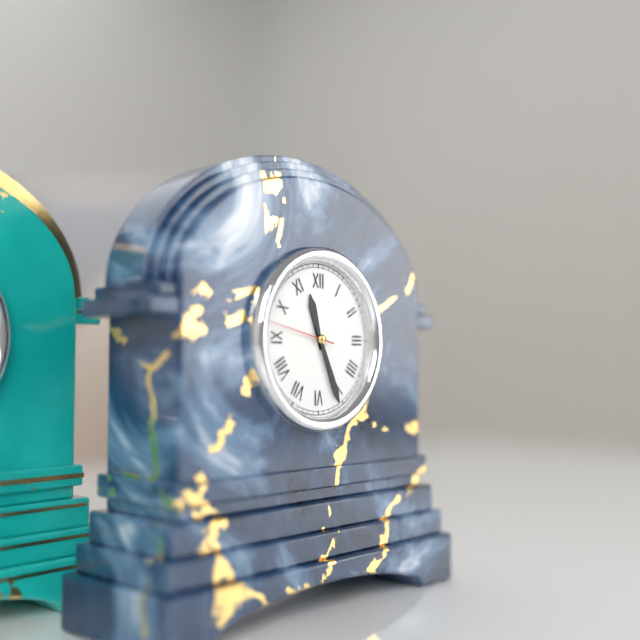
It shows **11:26:47**
